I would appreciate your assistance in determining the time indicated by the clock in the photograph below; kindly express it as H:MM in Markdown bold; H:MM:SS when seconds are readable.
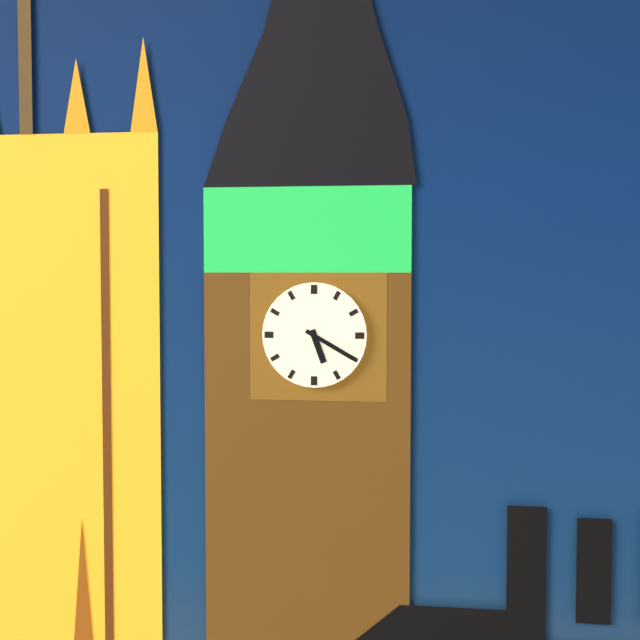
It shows **5:20**
